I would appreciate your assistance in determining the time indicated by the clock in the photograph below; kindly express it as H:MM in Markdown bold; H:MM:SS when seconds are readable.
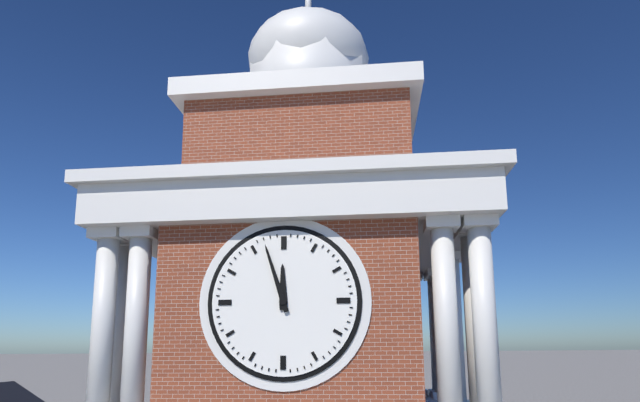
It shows **11:57**
